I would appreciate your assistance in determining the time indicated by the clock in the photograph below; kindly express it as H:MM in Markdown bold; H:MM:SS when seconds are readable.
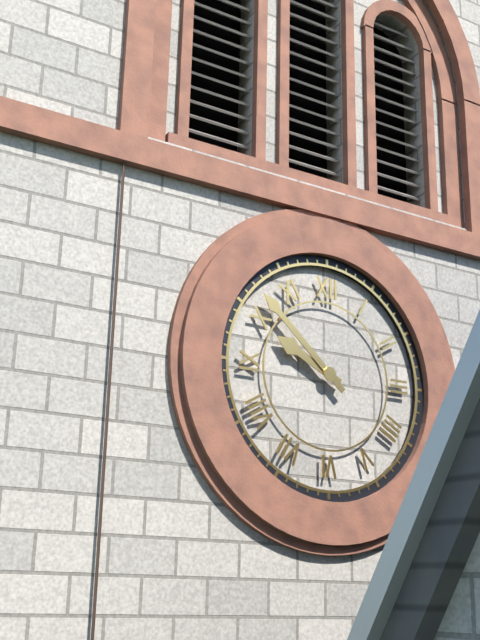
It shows **9:52**
